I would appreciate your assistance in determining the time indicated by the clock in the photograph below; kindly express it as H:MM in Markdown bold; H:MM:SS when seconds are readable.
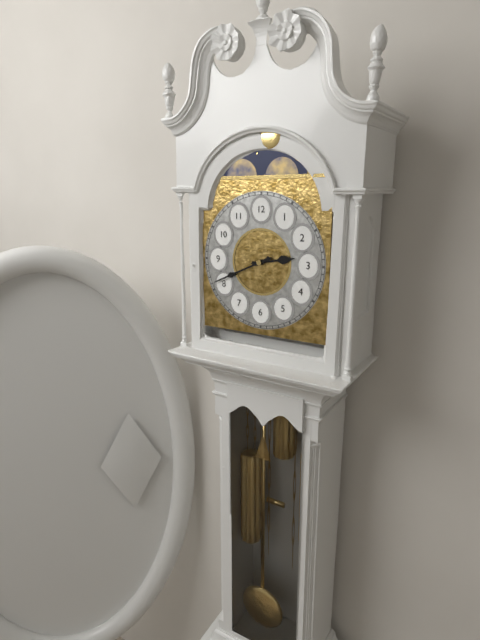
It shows **2:41**
